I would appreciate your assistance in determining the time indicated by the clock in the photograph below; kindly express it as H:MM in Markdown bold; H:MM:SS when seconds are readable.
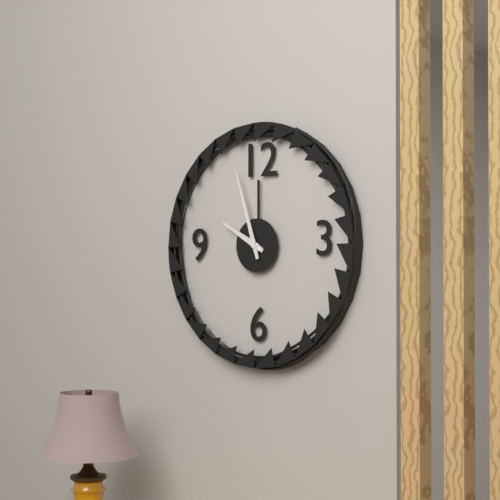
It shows **9:57**
